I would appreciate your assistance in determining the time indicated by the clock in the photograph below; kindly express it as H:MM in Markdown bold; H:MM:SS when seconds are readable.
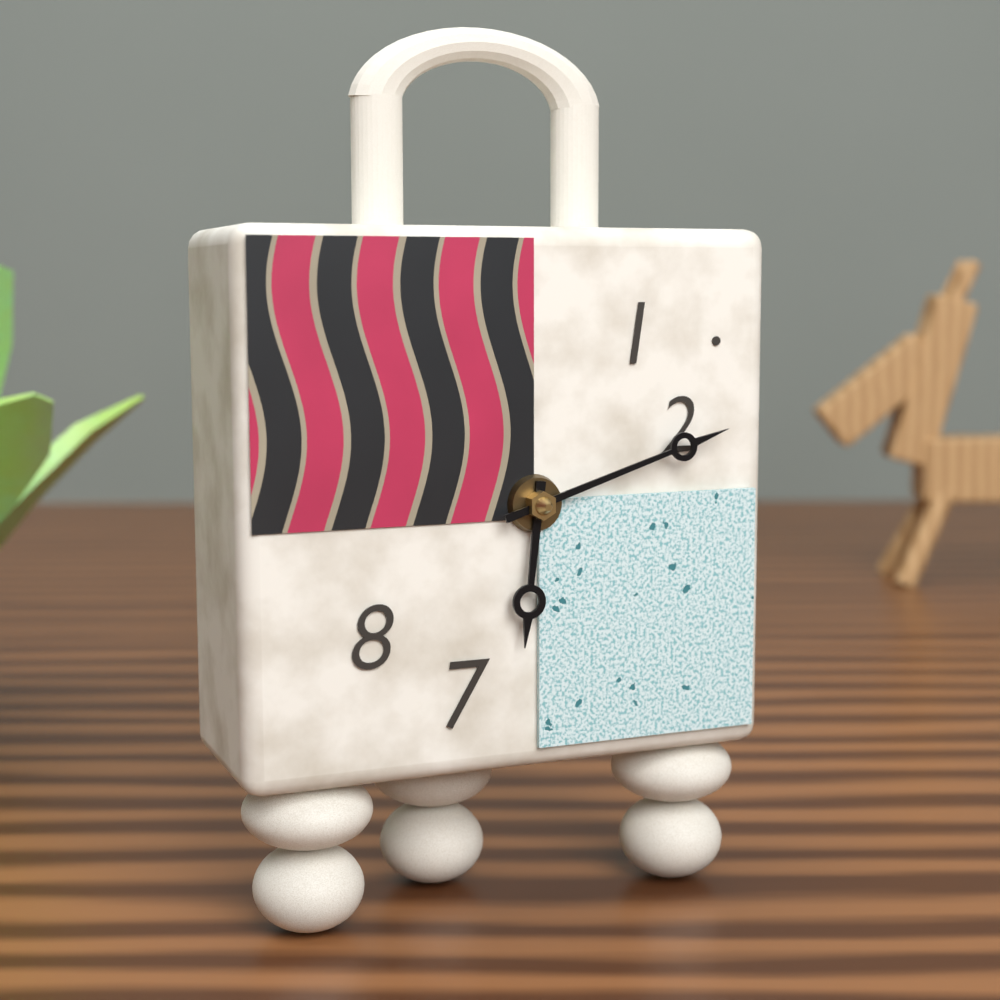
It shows **6:12**
